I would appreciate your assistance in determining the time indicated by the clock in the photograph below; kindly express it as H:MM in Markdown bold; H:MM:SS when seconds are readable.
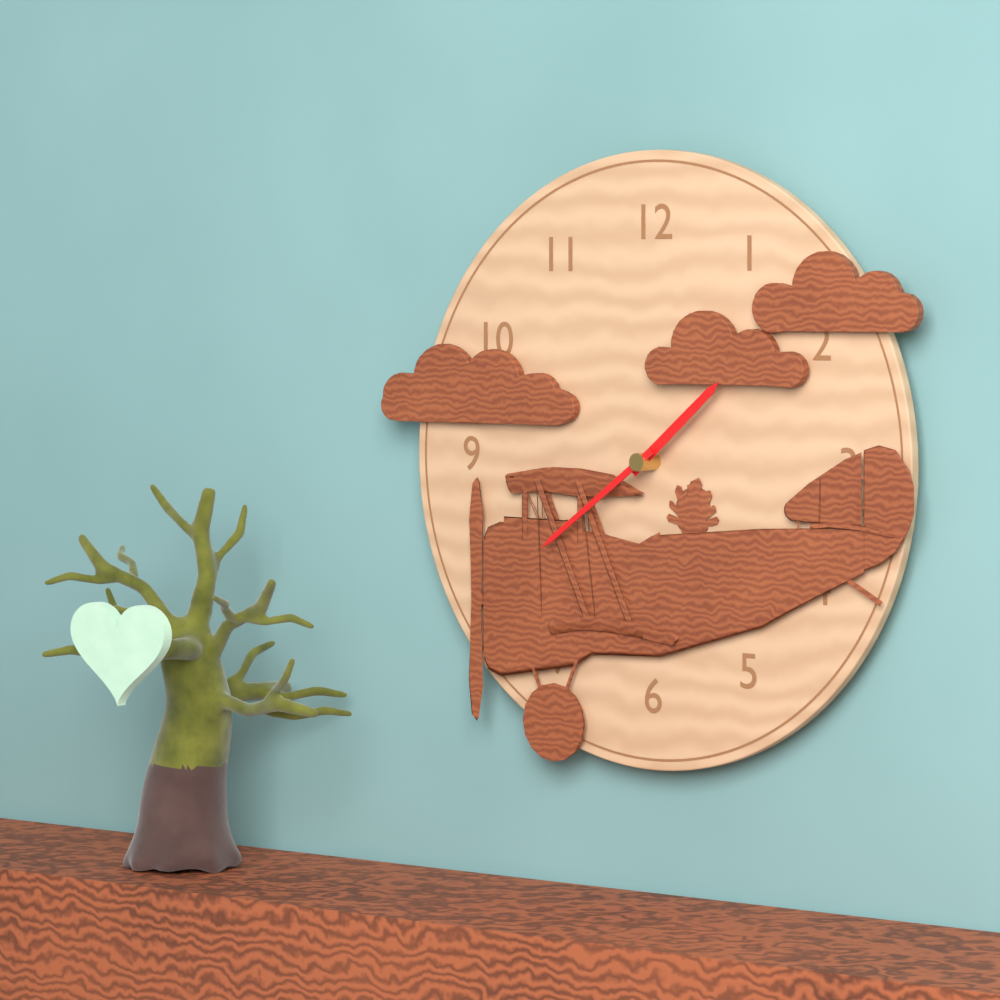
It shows **1:39**
